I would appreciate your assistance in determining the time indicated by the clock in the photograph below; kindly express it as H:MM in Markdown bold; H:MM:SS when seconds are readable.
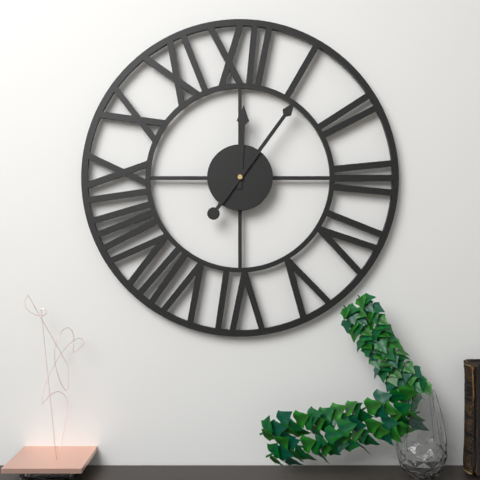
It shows **12:06**
